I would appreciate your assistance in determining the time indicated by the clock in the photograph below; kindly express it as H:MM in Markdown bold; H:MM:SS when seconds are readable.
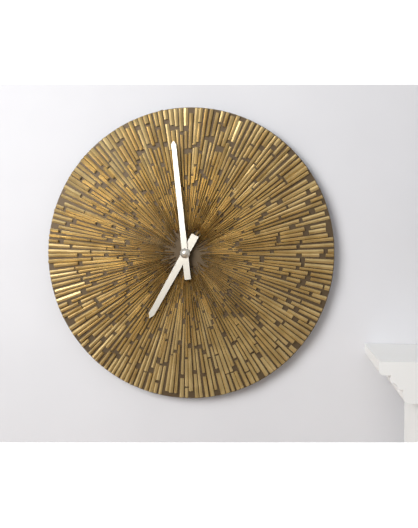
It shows **6:59**
